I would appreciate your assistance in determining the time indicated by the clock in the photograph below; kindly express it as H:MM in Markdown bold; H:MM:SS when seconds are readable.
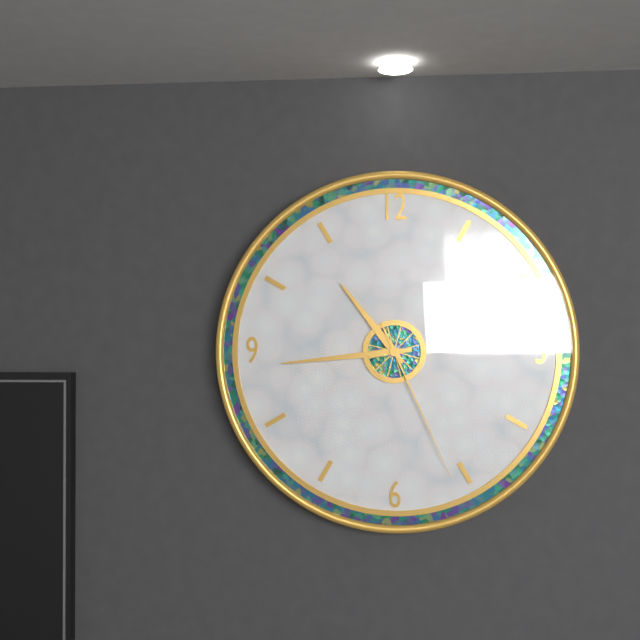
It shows **10:44:26**
